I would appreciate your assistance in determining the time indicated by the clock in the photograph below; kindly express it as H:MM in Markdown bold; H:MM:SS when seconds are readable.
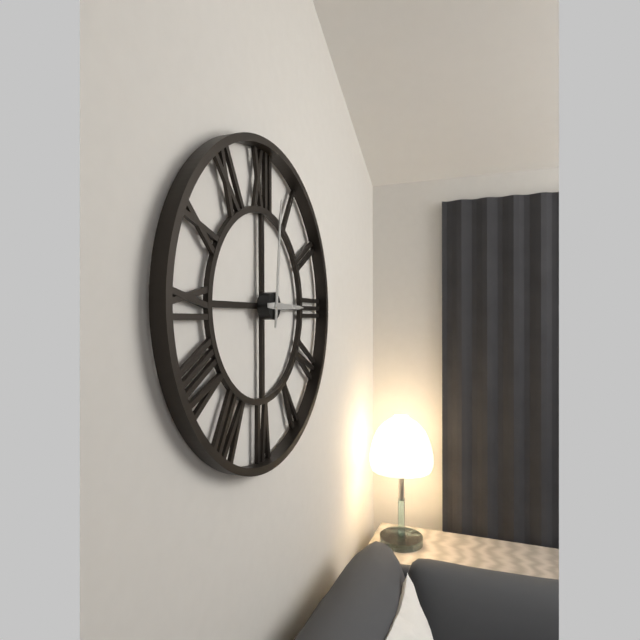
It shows **3:01**
